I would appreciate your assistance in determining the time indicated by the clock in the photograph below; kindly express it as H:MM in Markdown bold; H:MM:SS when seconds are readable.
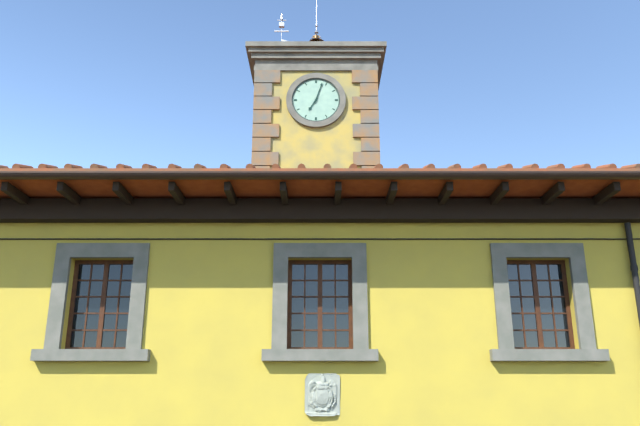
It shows **7:03**
